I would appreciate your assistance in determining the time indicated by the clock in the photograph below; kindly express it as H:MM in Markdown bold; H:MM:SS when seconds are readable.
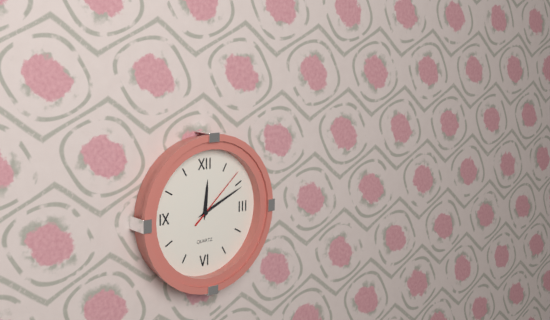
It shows **12:11:08**
